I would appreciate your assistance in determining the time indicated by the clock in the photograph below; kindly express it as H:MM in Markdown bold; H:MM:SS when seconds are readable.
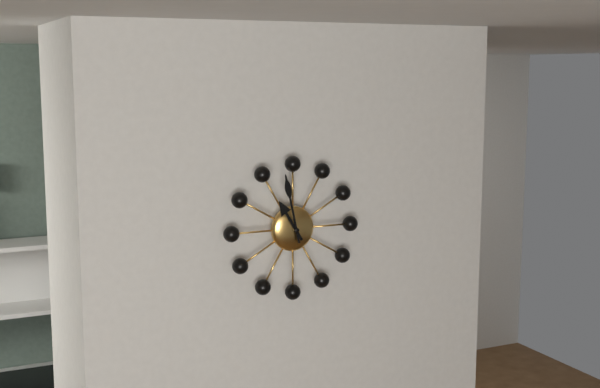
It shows **10:58**
